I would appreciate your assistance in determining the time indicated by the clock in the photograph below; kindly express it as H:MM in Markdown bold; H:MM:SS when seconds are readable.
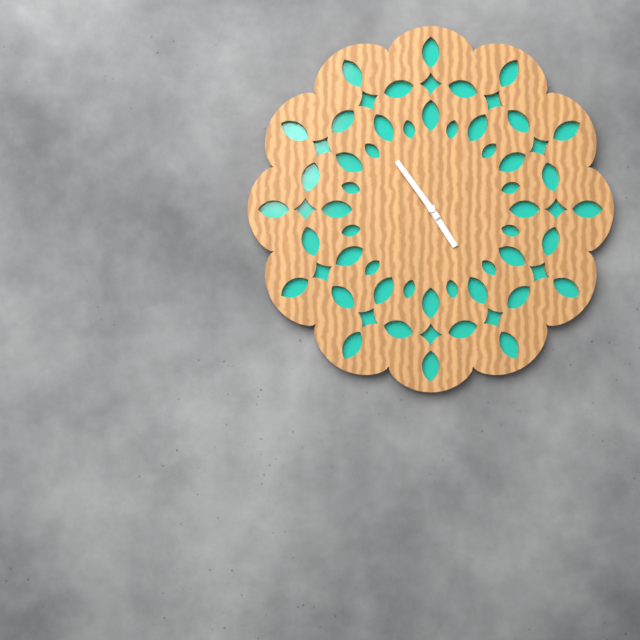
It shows **4:54**
